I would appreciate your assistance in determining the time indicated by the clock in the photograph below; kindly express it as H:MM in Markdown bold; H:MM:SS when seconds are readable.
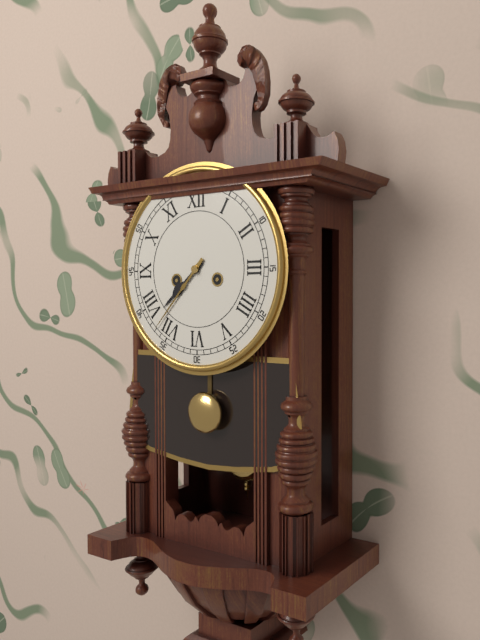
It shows **7:37**
